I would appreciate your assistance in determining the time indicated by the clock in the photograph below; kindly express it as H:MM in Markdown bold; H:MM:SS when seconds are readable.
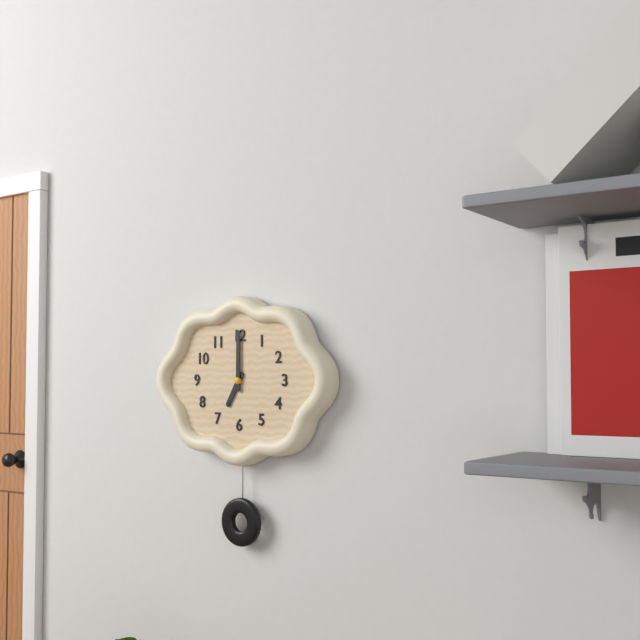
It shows **7:00**
